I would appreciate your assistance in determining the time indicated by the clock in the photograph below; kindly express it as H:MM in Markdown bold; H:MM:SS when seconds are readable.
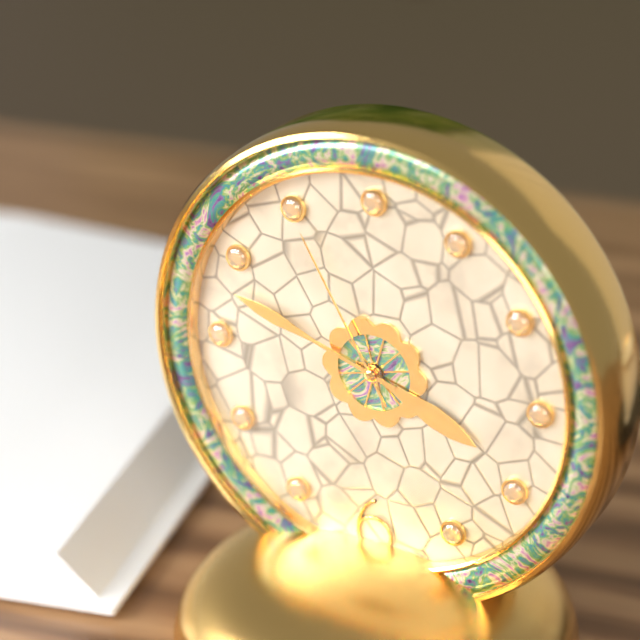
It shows **3:48:55**
